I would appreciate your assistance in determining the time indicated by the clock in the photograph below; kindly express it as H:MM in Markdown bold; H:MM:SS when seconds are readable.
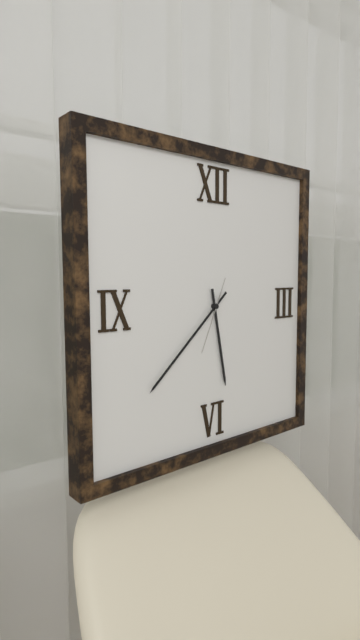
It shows **5:38:34**
